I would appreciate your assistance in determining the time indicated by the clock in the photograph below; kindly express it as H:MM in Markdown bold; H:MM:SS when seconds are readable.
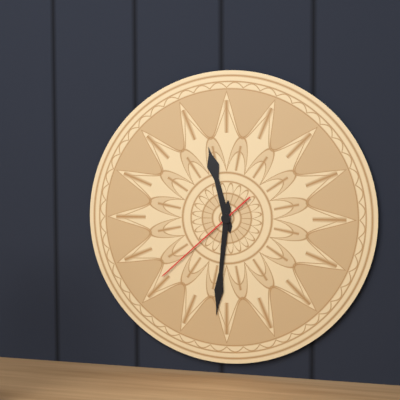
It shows **11:31:38**
